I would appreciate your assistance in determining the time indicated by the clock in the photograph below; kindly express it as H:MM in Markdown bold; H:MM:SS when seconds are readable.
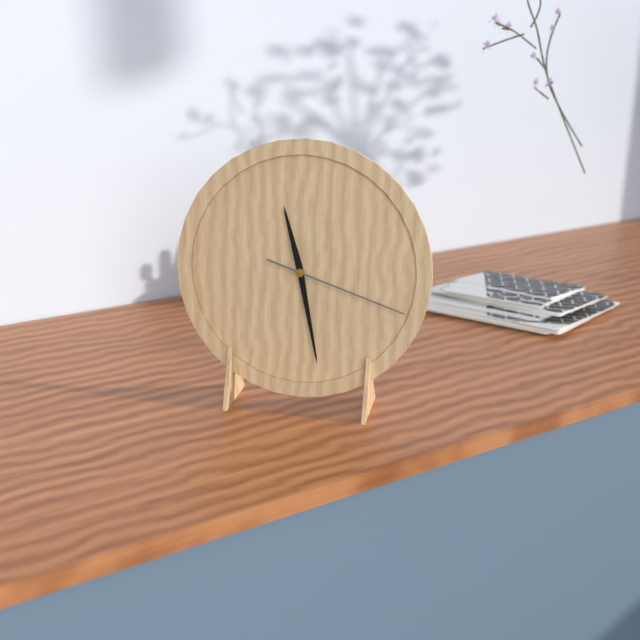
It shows **11:28:18**
